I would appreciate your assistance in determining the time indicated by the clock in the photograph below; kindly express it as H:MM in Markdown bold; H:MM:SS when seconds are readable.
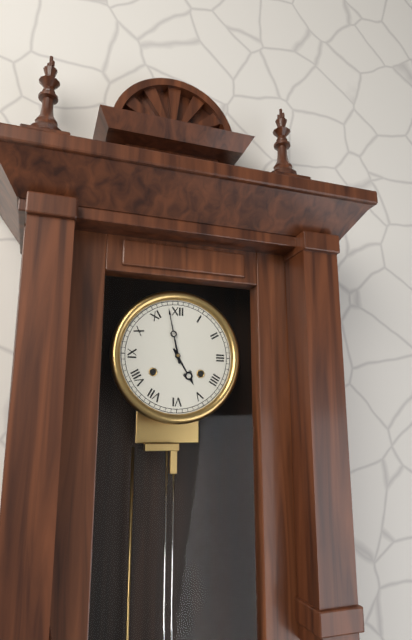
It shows **4:58**
